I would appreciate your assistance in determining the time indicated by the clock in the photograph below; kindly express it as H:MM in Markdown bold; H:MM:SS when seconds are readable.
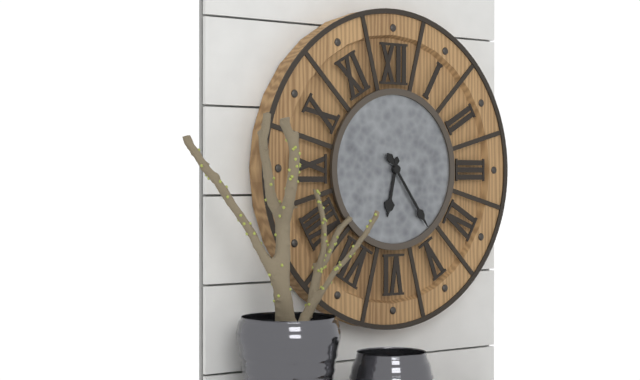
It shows **6:24**
